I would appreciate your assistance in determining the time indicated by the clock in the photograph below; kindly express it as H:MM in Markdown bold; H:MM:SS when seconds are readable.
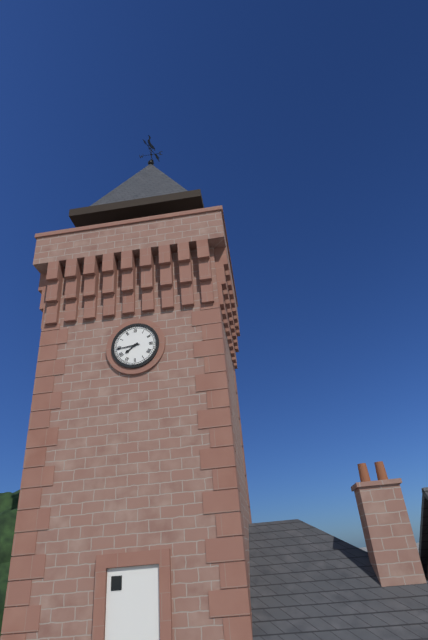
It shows **7:44**
